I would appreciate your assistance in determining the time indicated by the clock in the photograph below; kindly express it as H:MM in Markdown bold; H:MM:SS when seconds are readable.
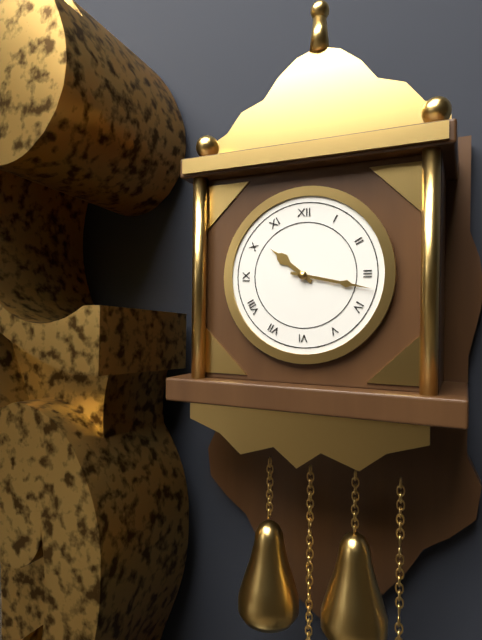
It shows **10:17**
